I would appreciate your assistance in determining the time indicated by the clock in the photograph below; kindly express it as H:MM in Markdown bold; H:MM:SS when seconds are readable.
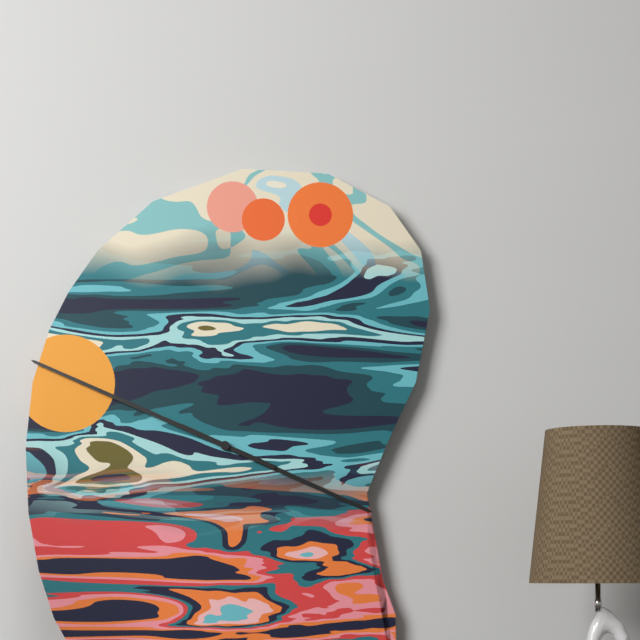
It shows **3:49**
